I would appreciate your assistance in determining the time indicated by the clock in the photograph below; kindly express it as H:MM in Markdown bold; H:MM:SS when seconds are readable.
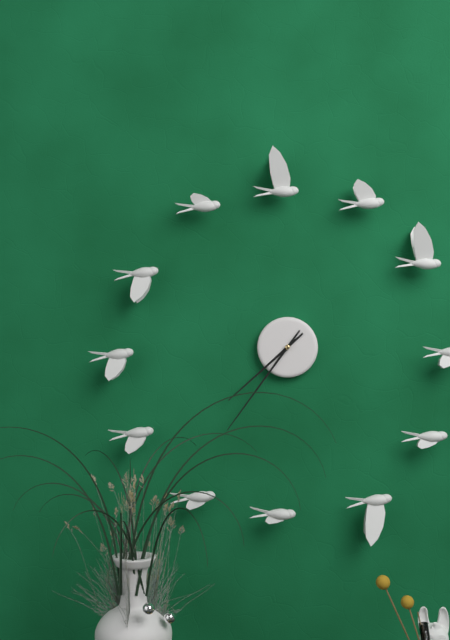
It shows **7:36**
